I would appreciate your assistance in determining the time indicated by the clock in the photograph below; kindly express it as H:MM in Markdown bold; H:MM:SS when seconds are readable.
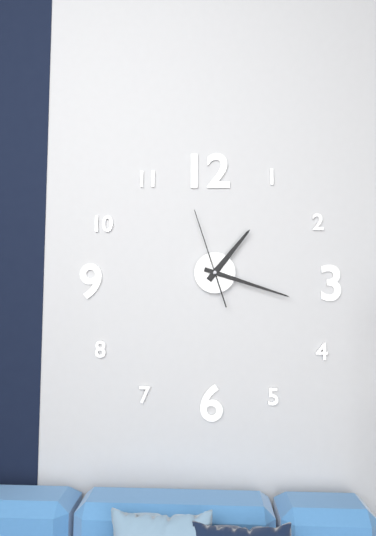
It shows **1:18:57**
